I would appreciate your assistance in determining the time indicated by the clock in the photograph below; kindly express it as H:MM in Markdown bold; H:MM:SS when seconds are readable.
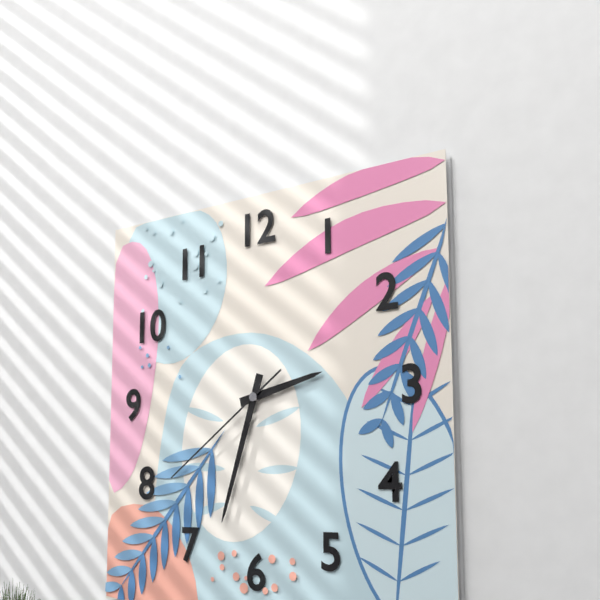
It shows **2:33:39**
